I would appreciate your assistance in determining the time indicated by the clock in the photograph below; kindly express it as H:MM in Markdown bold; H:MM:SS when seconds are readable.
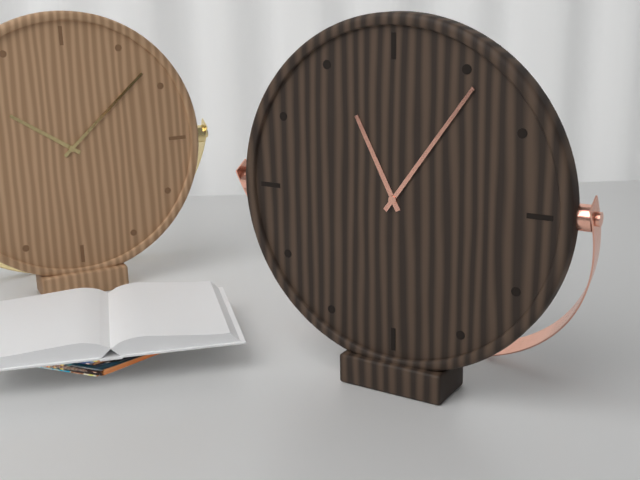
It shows **11:06**
